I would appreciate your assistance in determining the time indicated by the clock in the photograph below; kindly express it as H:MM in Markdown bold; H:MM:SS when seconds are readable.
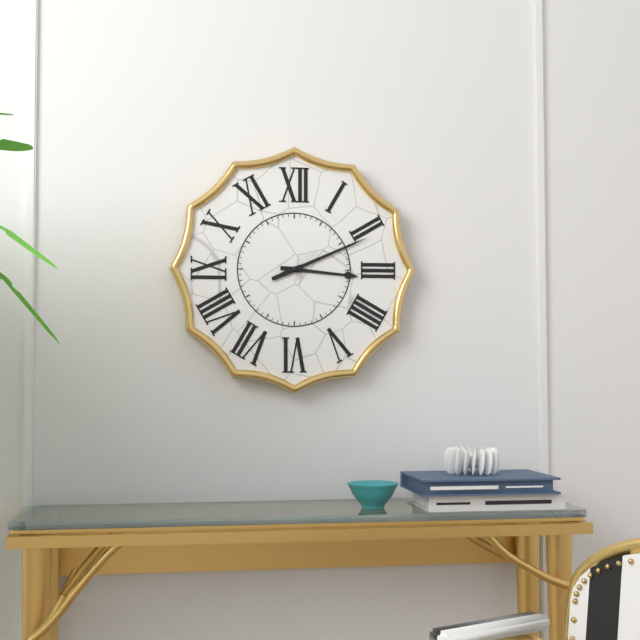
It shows **3:11**
